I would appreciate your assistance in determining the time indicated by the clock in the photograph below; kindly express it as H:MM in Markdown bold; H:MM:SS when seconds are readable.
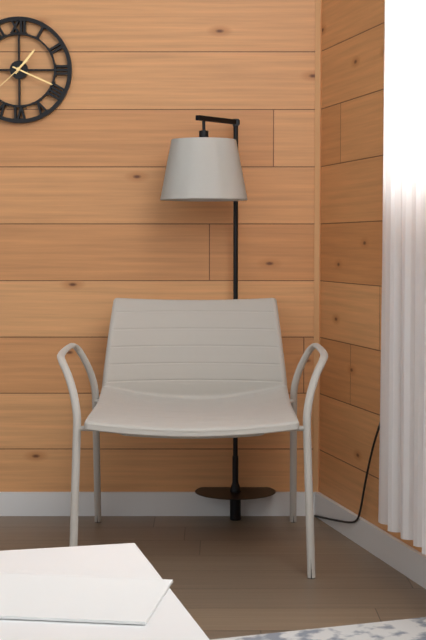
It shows **1:19**
